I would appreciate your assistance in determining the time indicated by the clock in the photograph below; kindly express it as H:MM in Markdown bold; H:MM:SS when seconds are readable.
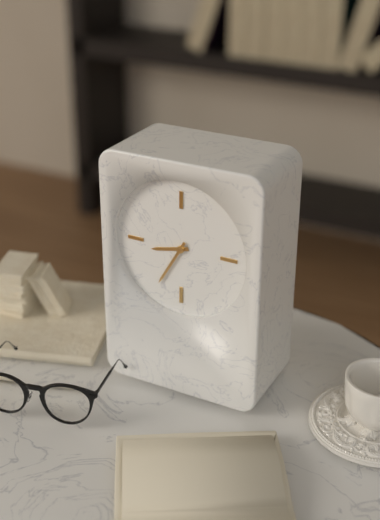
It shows **8:35**
